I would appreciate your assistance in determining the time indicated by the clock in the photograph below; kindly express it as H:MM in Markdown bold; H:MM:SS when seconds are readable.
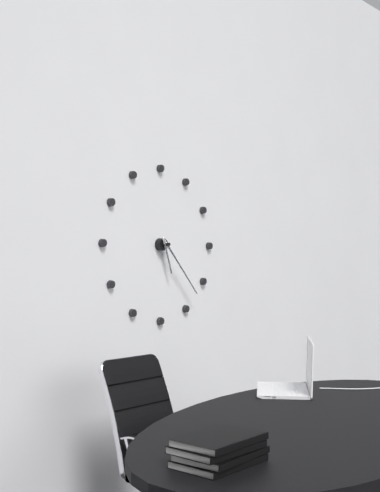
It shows **5:23**
